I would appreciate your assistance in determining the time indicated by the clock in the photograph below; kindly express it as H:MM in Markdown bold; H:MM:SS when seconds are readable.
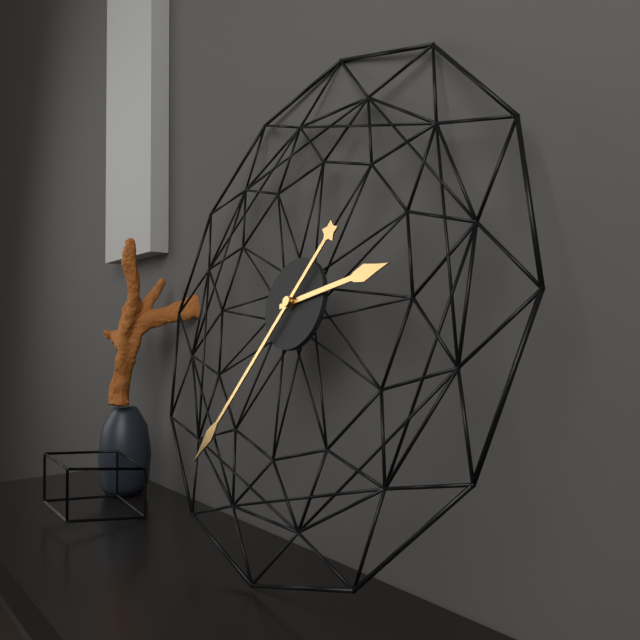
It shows **2:36**
